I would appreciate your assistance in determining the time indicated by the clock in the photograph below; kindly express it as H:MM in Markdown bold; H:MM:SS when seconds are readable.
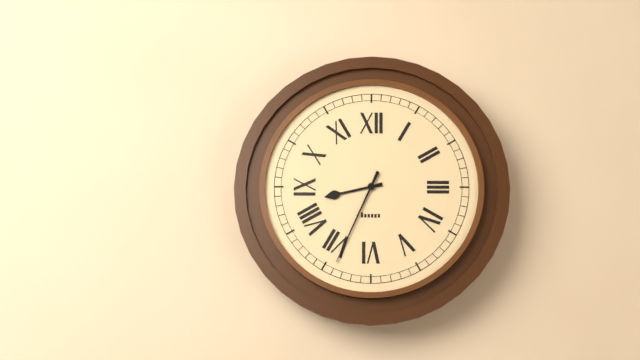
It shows **8:34**
